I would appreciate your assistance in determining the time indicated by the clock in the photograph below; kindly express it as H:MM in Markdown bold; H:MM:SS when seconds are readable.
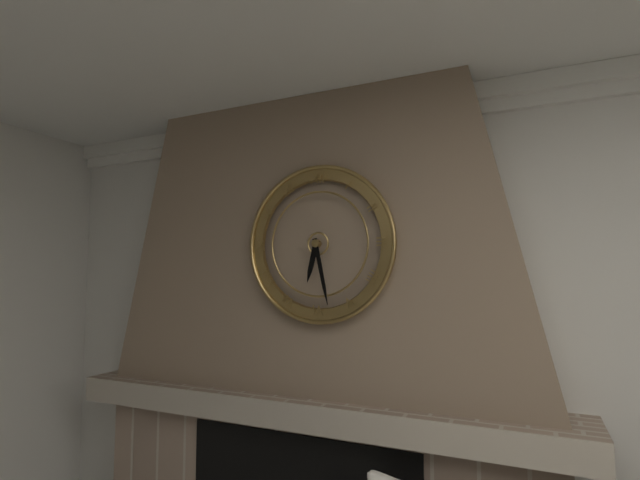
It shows **6:28**
